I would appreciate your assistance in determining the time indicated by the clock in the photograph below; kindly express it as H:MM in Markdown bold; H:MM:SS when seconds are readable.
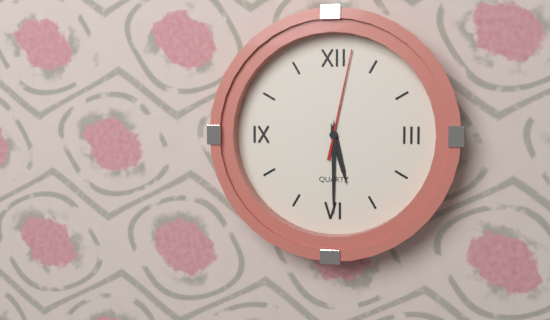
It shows **5:30:02**
